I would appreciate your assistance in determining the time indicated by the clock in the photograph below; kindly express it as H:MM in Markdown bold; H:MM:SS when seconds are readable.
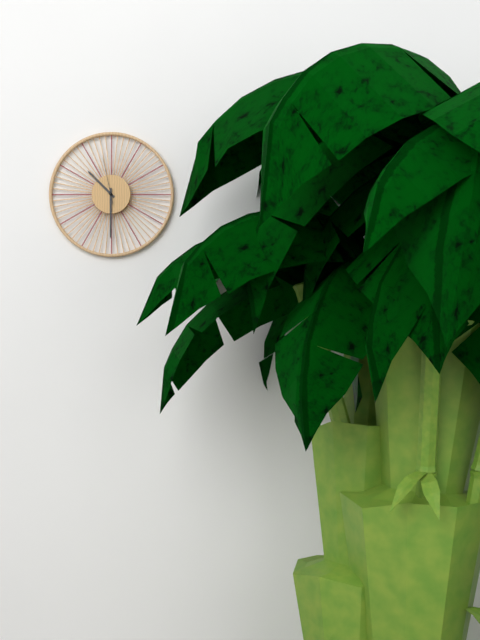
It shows **10:30:58**
